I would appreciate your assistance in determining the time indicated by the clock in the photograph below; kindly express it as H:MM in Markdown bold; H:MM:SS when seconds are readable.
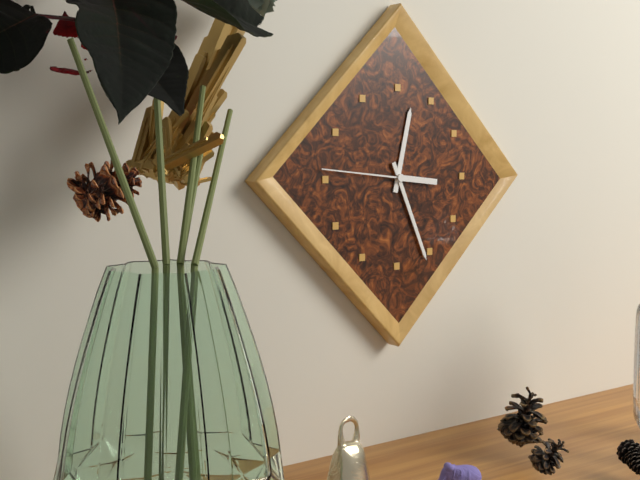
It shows **12:26:46**
